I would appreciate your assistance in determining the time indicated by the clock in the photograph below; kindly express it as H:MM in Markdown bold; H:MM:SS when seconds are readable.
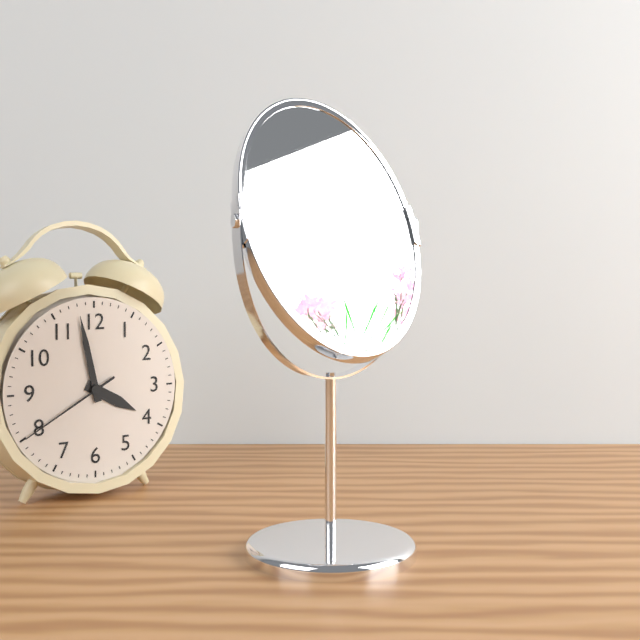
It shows **3:58:40**
